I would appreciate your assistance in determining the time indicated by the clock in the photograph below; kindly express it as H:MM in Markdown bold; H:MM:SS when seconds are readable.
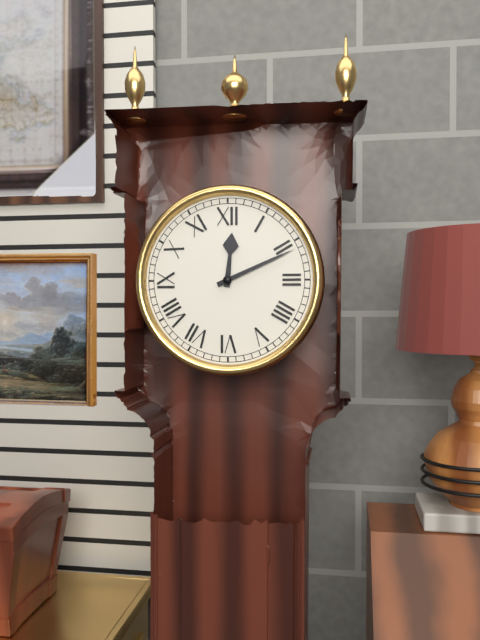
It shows **12:11**
